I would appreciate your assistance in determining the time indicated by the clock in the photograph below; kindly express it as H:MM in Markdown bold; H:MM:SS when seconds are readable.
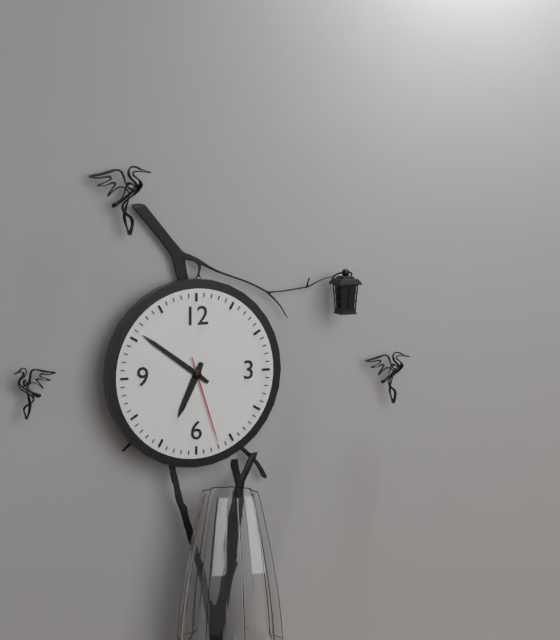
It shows **6:51:27**
